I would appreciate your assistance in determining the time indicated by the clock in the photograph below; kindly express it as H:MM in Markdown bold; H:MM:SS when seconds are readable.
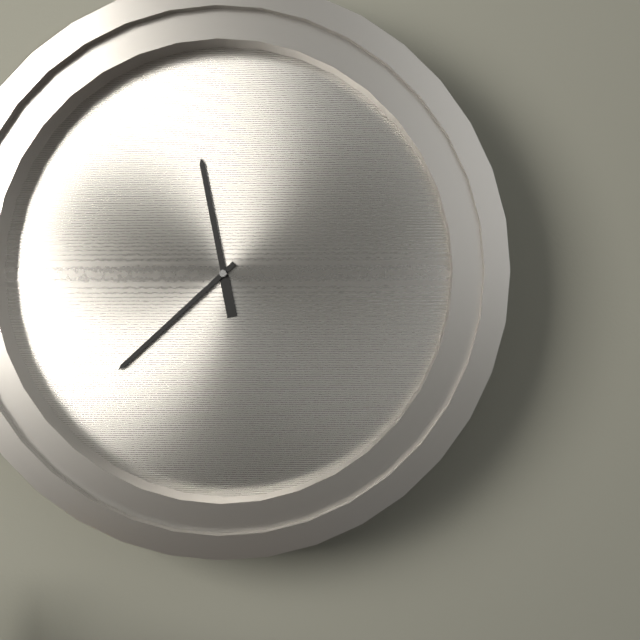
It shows **11:38**
